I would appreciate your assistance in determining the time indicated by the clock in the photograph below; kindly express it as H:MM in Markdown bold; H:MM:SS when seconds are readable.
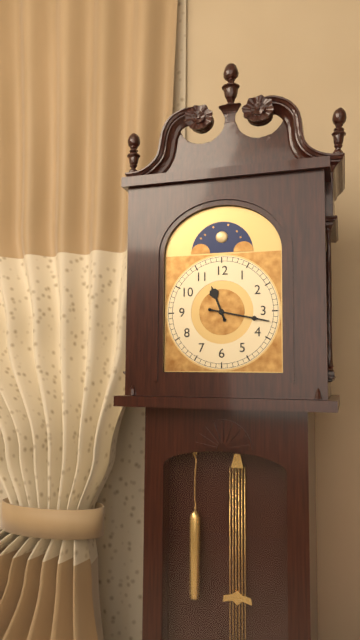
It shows **11:17**
